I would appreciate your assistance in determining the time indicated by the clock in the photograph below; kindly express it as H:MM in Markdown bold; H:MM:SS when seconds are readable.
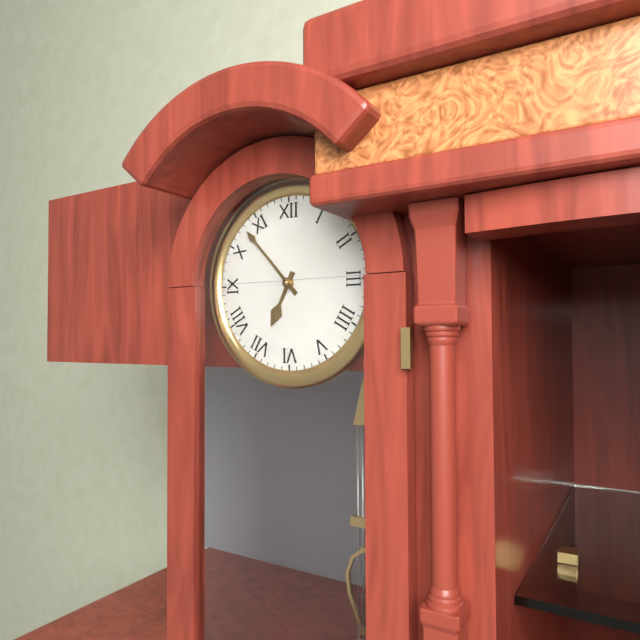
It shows **6:53**
